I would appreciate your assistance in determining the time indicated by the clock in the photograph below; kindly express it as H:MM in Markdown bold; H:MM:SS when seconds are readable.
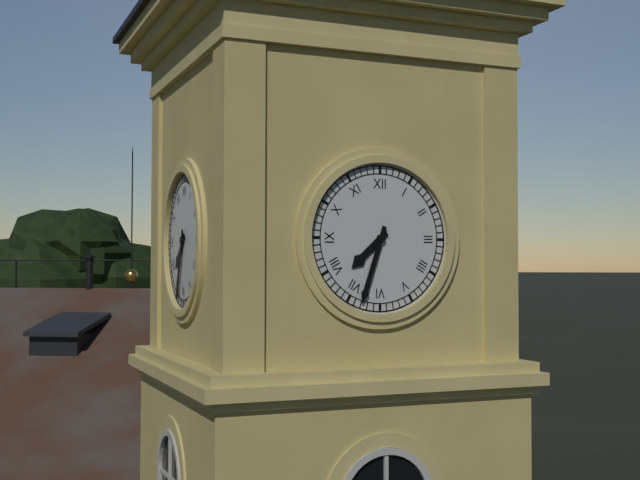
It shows **7:33**
